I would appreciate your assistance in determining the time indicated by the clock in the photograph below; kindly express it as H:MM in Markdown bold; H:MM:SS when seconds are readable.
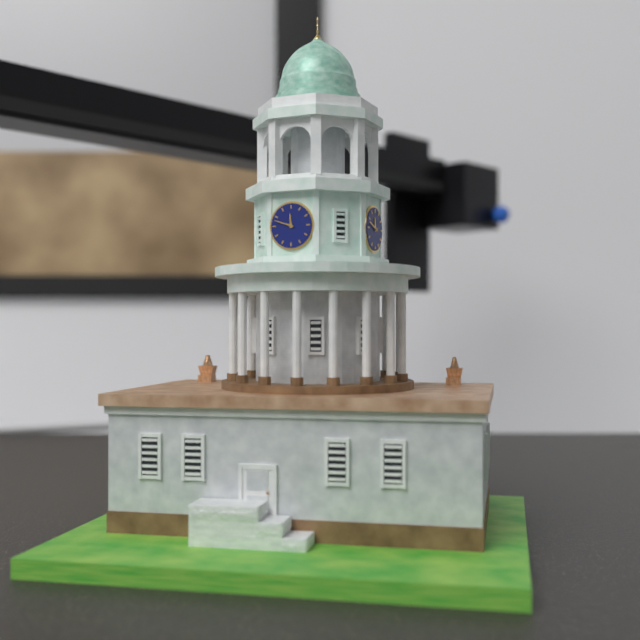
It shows **11:48**
